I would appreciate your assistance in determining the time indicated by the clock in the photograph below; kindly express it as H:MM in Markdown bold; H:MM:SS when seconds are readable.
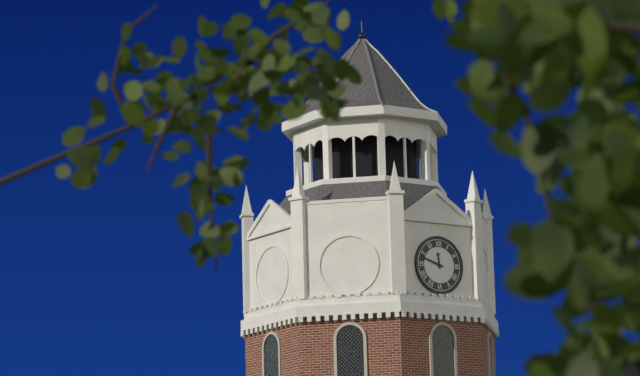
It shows **11:48**
